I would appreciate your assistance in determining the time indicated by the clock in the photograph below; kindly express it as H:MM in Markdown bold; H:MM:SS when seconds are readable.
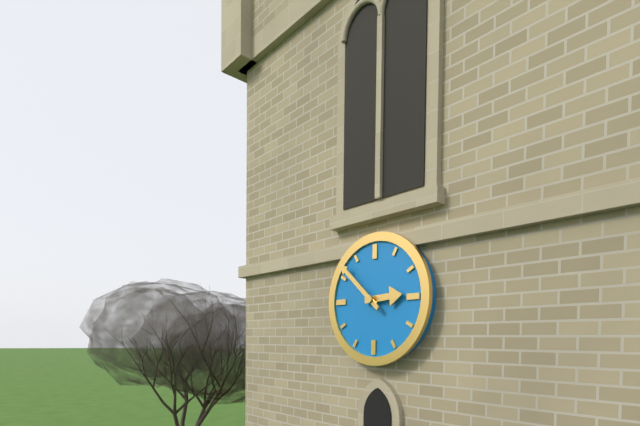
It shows **2:52**
